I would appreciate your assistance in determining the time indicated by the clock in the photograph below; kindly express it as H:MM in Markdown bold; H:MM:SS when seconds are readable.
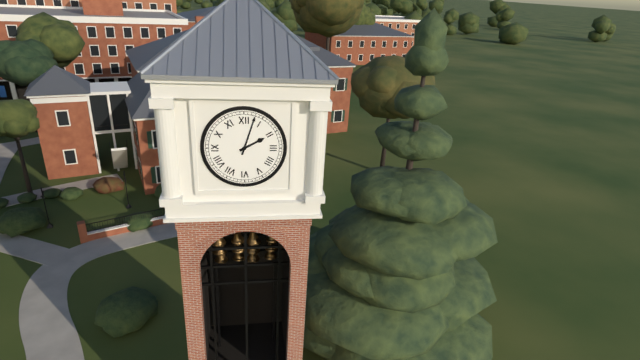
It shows **2:03**
